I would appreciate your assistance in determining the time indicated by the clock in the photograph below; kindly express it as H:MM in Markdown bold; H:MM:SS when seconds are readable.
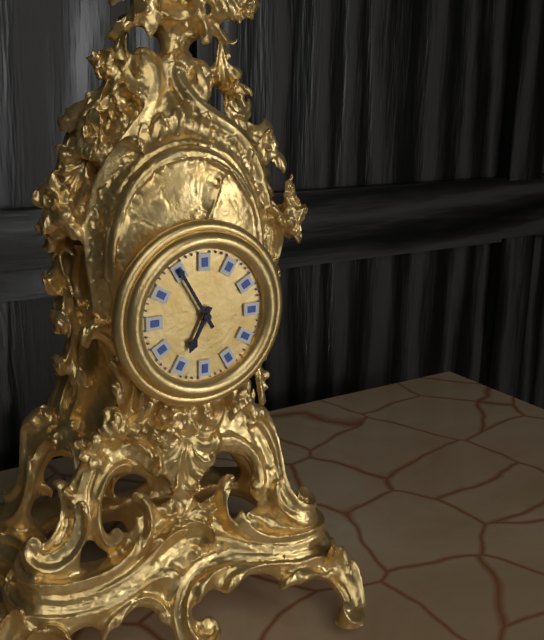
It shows **6:55**
